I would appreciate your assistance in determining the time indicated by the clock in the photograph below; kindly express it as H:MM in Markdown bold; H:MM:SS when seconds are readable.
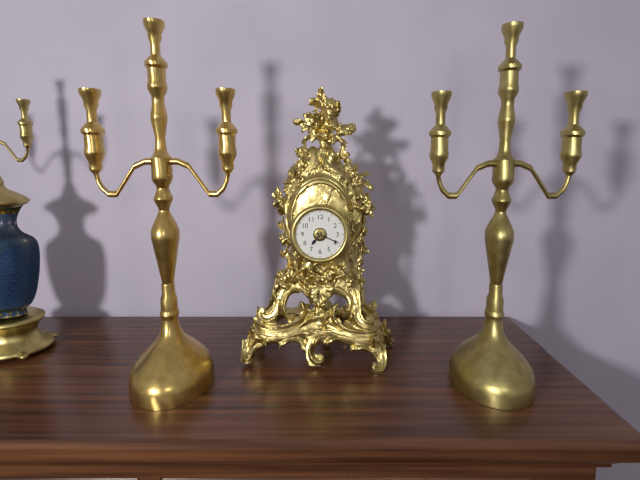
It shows **7:19**
